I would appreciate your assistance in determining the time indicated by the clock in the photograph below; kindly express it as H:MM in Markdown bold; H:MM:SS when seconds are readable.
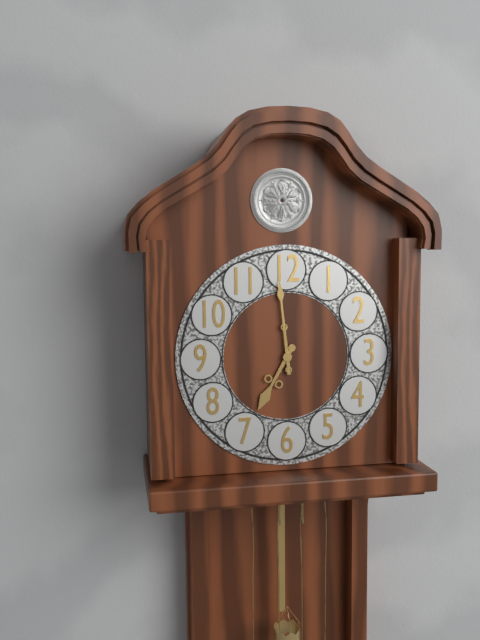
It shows **6:59**
